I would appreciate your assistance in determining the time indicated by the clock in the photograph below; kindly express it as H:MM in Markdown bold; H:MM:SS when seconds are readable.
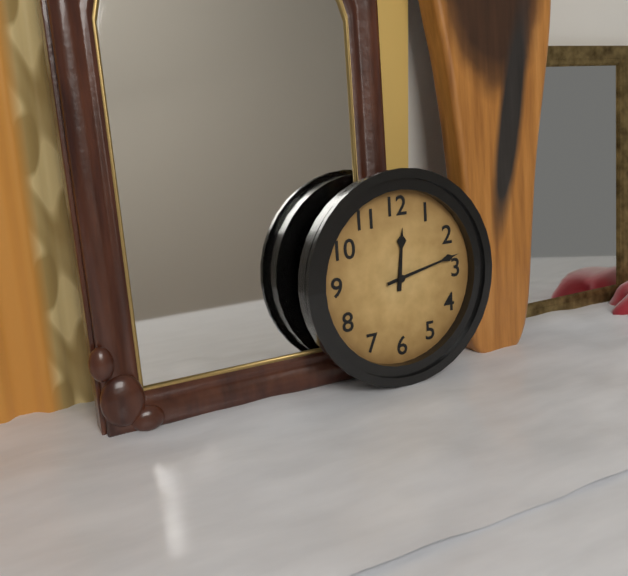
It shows **12:13**
